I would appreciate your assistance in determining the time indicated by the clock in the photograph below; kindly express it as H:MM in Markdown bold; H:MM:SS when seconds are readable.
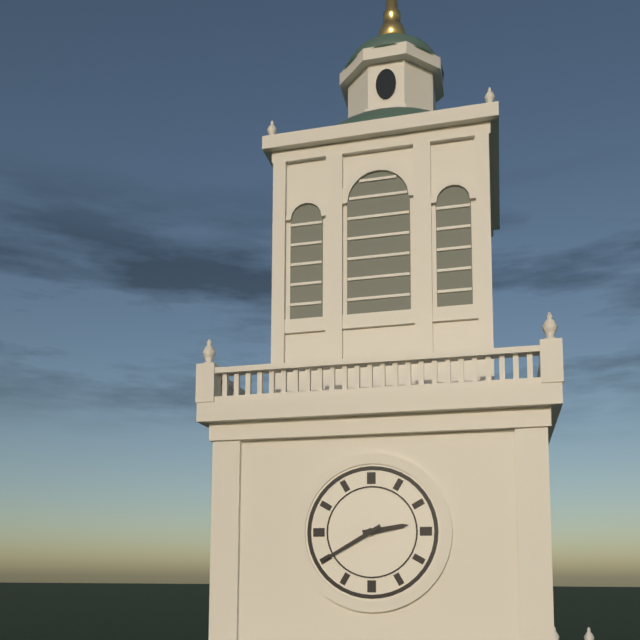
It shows **2:40**
